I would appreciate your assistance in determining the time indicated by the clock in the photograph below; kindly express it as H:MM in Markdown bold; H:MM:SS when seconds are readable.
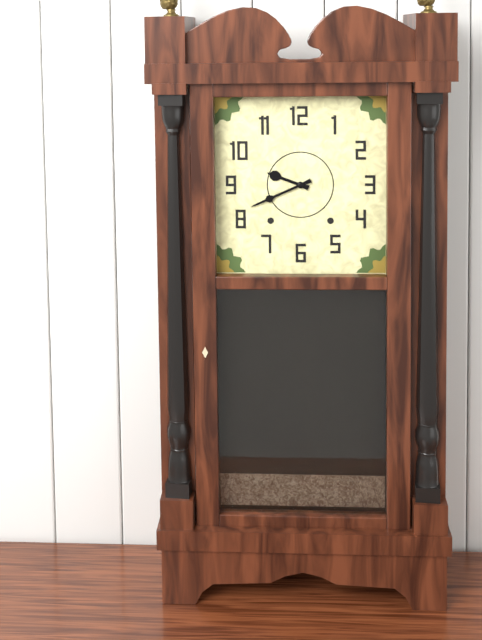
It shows **9:41**
